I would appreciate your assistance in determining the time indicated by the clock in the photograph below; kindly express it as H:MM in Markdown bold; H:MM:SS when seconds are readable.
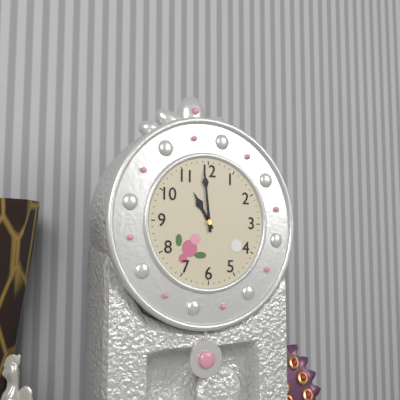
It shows **10:59**
